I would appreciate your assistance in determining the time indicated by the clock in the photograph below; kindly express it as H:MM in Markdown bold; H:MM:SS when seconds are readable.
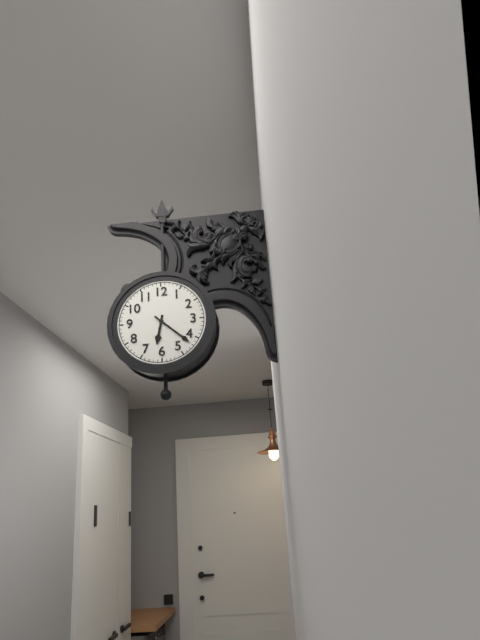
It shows **6:22**
